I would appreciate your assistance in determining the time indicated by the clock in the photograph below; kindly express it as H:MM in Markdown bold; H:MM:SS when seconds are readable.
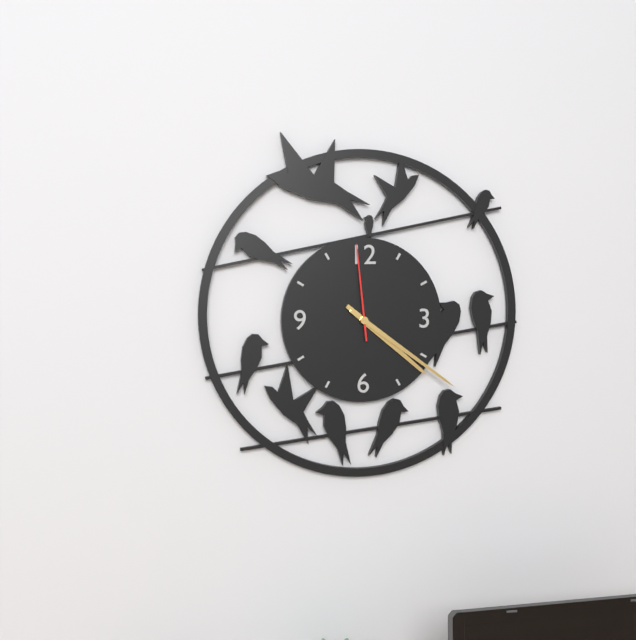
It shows **4:21:59**
